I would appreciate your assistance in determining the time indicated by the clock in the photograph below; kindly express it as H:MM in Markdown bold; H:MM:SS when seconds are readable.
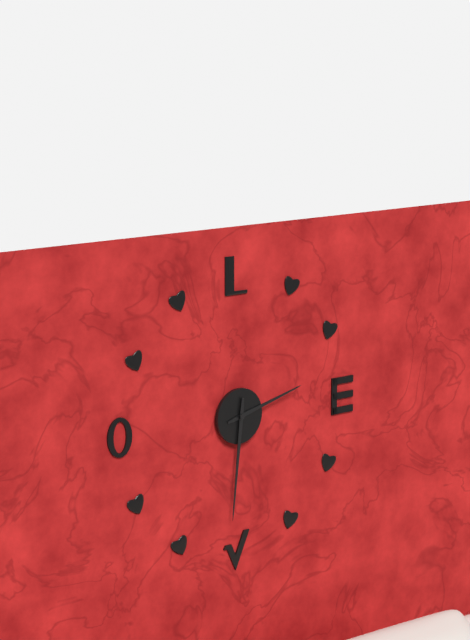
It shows **2:31**
